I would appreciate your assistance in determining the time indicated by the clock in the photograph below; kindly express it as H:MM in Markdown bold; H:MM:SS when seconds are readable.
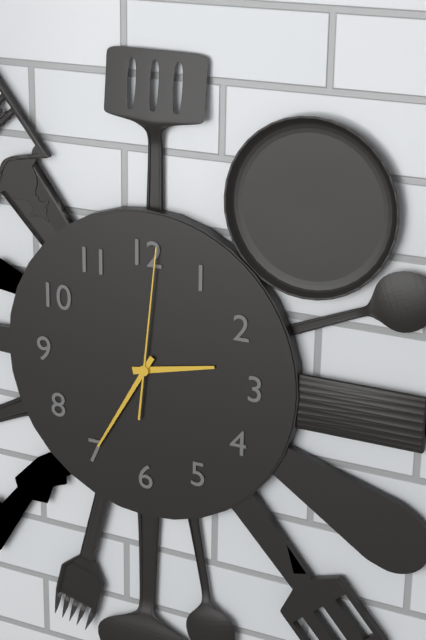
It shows **2:35:01**
